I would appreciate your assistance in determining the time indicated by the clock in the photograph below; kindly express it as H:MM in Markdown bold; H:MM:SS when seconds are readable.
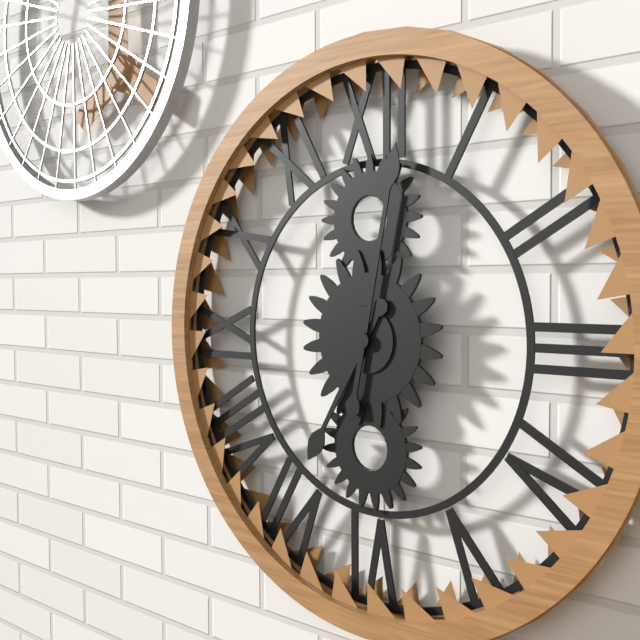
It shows **7:02**
